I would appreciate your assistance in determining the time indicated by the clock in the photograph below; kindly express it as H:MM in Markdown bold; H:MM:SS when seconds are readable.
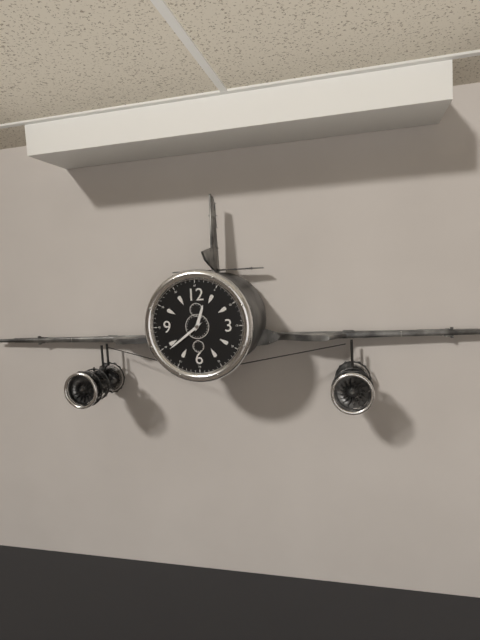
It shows **12:39**
